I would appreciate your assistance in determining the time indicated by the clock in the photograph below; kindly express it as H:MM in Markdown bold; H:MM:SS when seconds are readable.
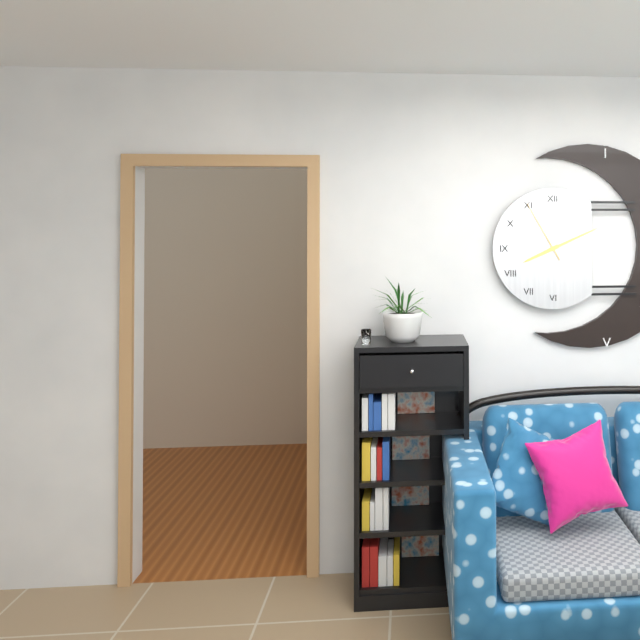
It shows **8:11:55**
